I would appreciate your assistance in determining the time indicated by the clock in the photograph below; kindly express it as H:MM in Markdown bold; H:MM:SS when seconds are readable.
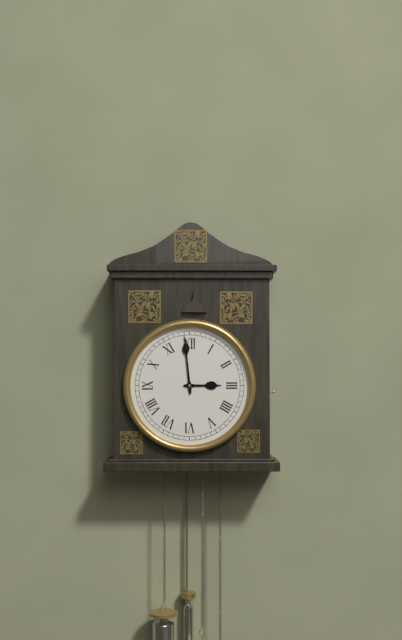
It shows **2:59**
